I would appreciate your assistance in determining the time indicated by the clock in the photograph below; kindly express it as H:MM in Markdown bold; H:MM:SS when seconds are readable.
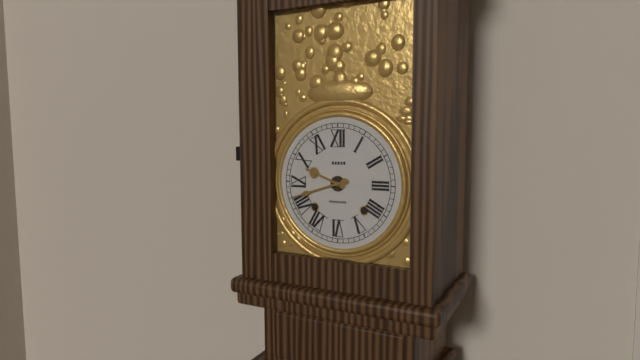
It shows **9:42**
